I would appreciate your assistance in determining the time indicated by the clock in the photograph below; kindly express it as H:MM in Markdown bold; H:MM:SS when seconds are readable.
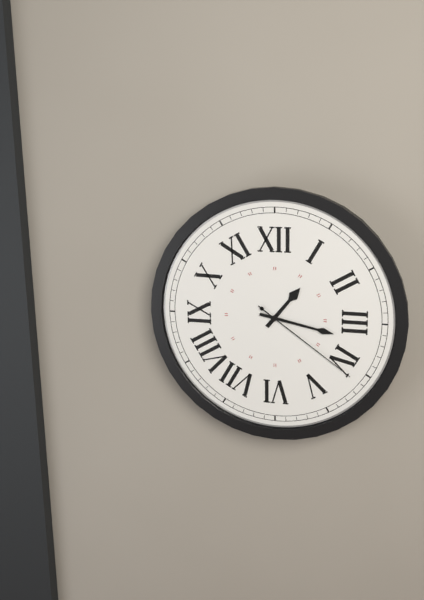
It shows **1:17:21**
